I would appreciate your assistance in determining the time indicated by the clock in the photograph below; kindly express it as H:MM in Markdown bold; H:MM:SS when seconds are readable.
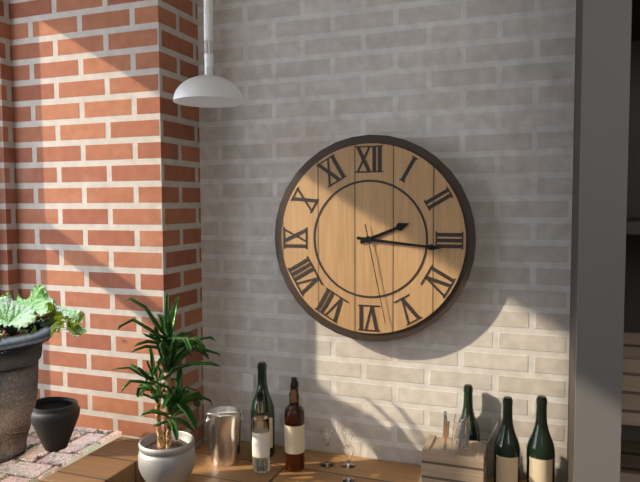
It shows **2:16:28**
